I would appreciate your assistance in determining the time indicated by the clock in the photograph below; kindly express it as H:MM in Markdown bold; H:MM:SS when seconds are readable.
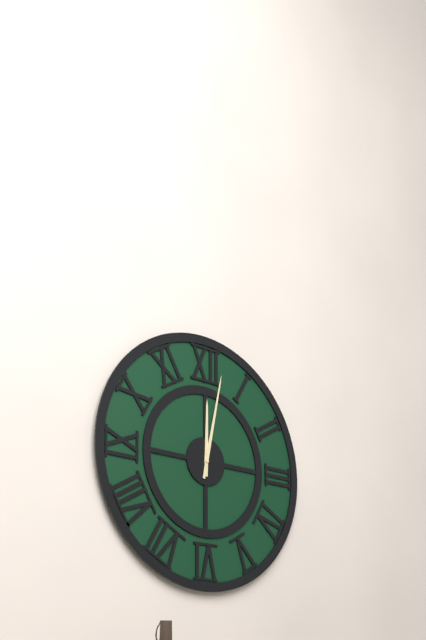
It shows **12:02**
